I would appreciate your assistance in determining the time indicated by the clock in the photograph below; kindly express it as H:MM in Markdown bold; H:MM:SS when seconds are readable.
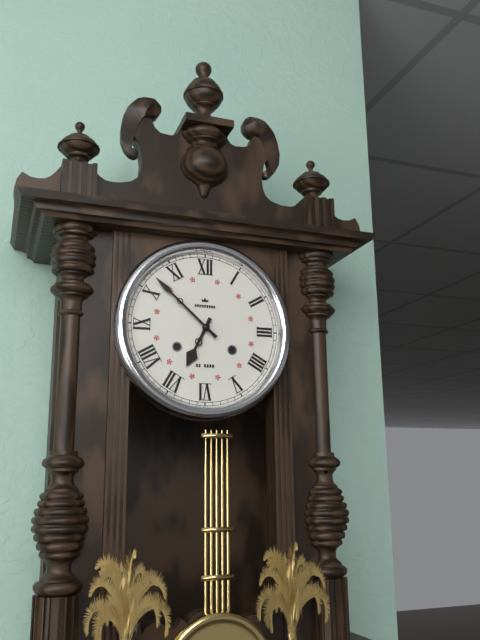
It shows **6:52**
